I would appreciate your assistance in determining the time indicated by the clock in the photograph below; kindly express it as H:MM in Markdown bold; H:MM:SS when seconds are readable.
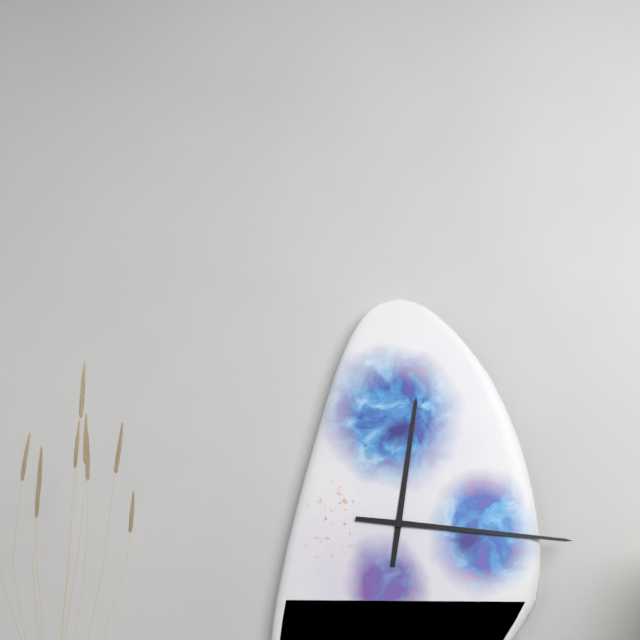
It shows **12:16**
